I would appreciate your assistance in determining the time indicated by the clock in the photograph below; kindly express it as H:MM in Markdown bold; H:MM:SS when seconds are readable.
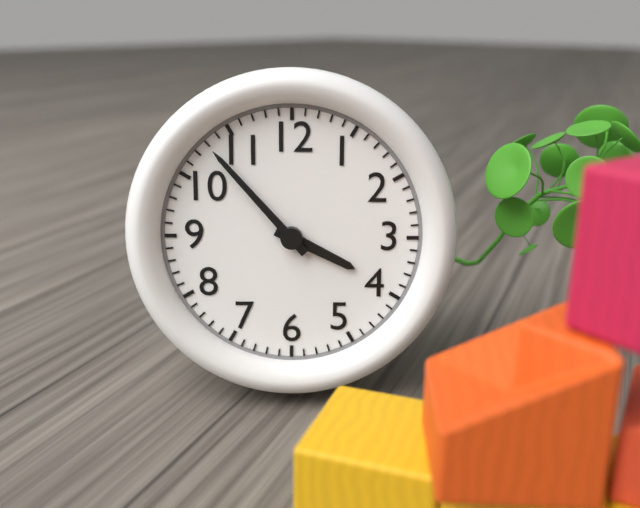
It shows **3:53**
